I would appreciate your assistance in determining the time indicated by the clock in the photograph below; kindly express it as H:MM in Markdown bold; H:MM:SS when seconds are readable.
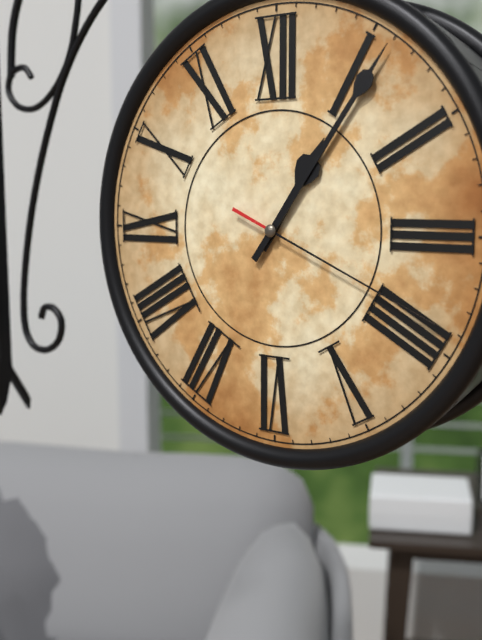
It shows **1:06:19**
